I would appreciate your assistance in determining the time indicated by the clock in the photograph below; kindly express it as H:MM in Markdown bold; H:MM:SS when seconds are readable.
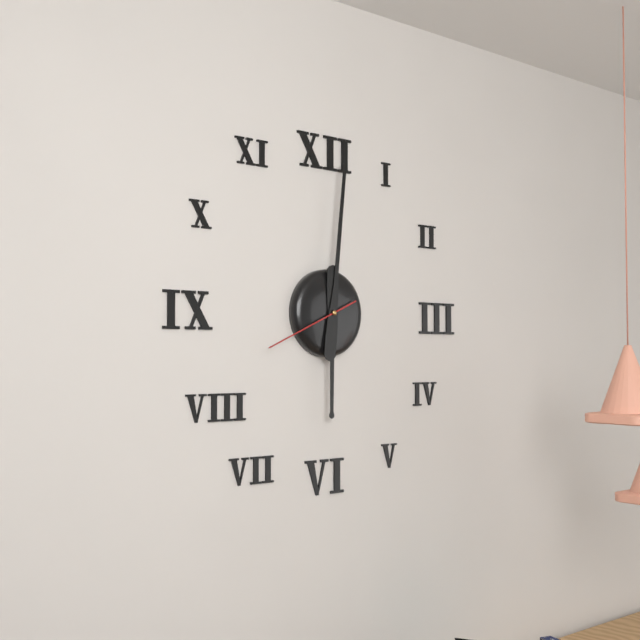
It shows **6:01:41**
